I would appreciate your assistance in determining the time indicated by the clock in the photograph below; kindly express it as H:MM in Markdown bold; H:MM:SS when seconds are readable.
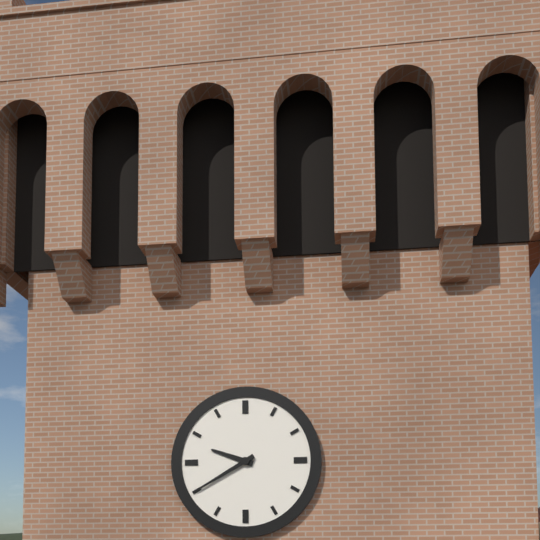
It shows **9:40**
